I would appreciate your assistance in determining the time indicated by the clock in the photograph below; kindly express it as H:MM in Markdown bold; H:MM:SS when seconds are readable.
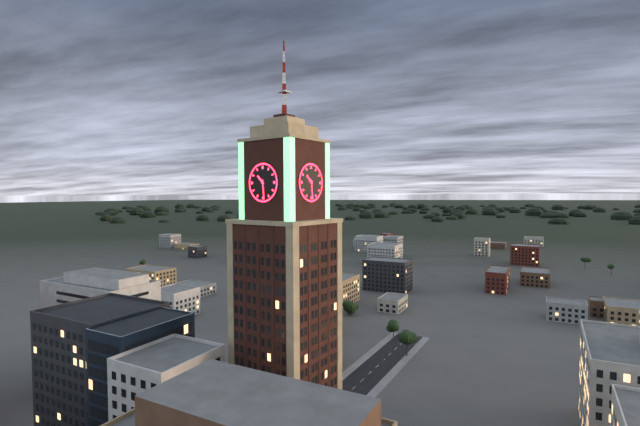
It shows **10:29**
